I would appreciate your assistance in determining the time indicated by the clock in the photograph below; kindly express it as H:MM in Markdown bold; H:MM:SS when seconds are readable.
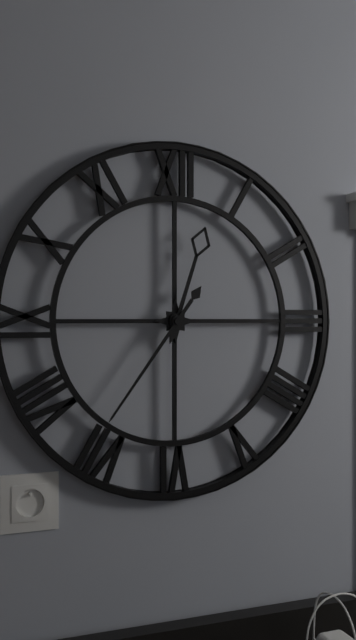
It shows **12:36**
